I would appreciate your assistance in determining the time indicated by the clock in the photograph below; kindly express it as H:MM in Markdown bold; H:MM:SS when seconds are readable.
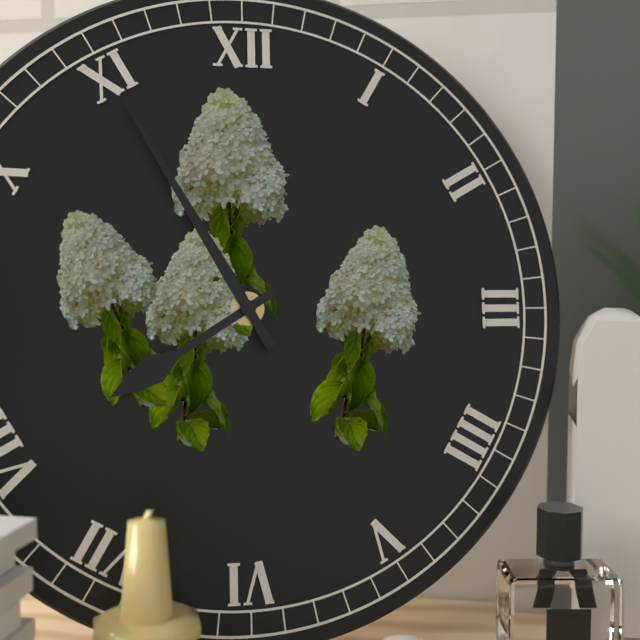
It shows **7:55**
